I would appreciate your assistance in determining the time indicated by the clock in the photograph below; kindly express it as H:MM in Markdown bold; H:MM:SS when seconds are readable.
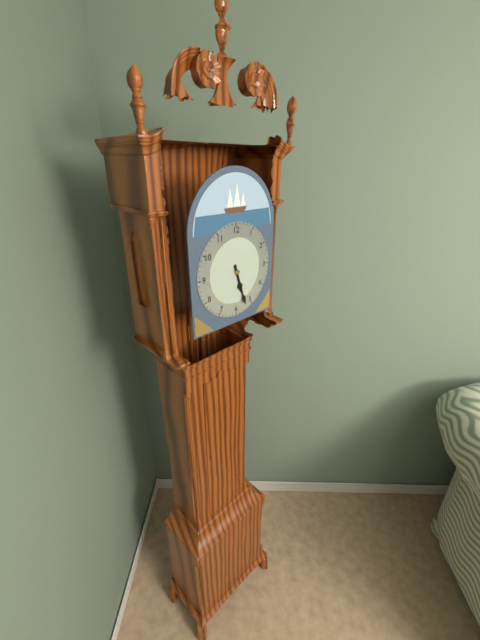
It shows **5:27**
